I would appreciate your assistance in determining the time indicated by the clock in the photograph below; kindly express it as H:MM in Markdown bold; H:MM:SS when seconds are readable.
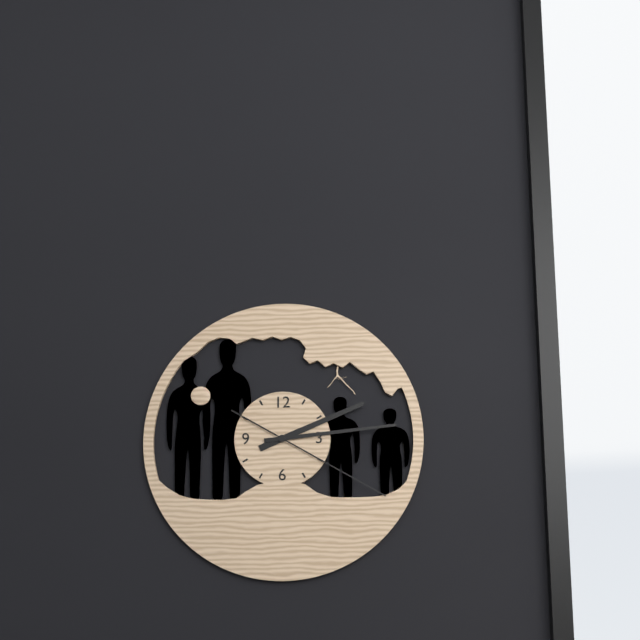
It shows **2:14:20**
